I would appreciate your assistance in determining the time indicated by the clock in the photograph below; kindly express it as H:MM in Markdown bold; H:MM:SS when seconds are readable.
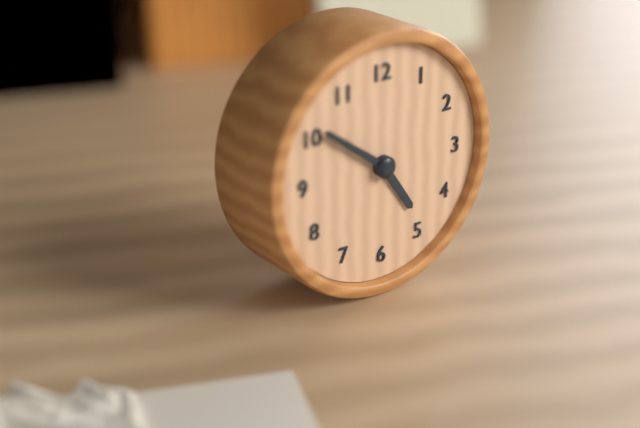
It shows **4:51**
